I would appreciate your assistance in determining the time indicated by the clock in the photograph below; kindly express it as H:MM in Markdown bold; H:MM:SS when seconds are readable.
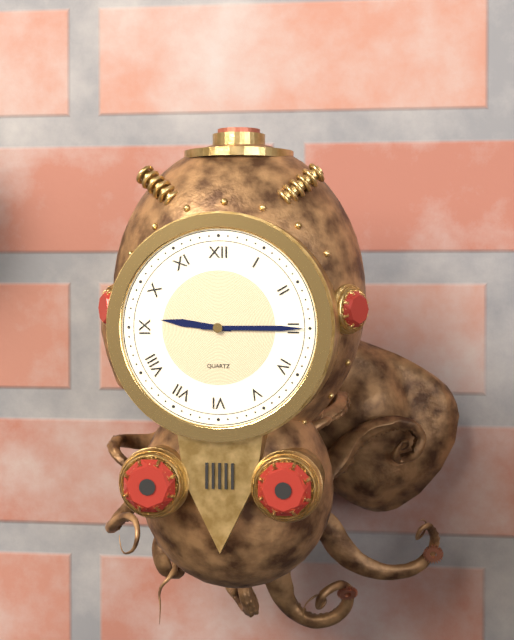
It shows **9:15**
